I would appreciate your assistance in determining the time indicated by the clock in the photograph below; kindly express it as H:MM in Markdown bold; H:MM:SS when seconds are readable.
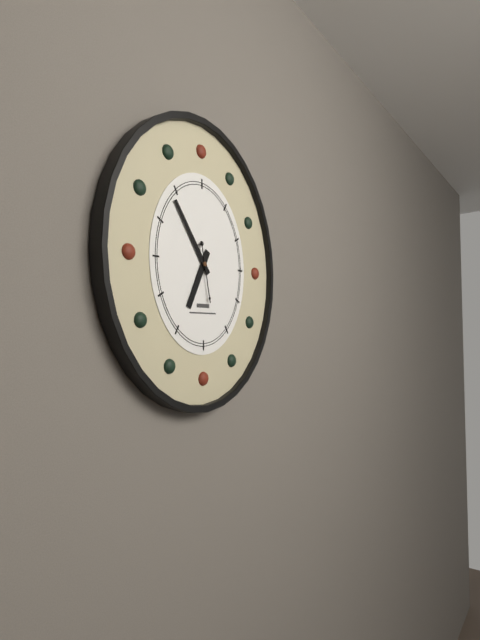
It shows **6:54**
